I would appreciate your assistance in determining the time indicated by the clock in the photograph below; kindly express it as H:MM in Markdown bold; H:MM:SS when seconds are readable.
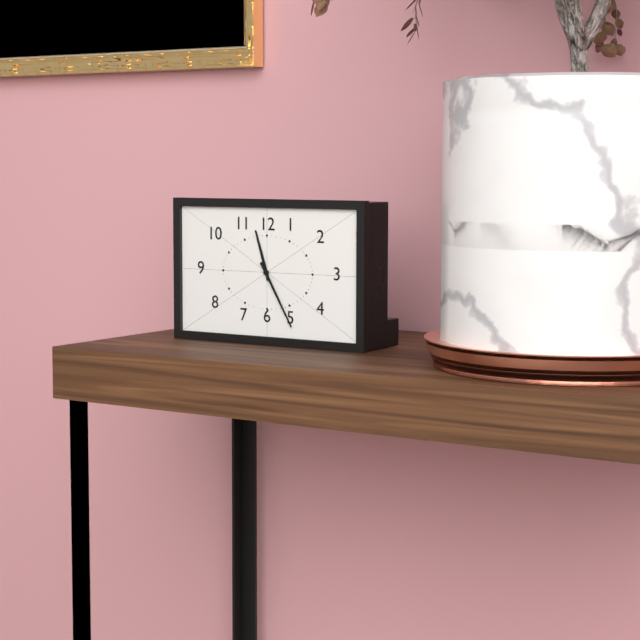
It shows **11:25**
